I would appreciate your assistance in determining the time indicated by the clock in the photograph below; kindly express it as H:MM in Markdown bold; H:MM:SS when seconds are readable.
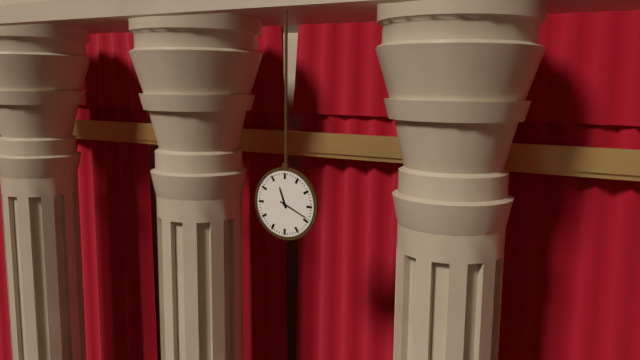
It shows **11:19**
